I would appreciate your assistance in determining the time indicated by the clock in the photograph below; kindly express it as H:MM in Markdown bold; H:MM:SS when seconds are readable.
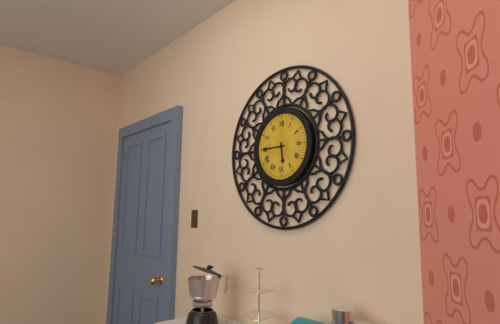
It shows **5:45**
